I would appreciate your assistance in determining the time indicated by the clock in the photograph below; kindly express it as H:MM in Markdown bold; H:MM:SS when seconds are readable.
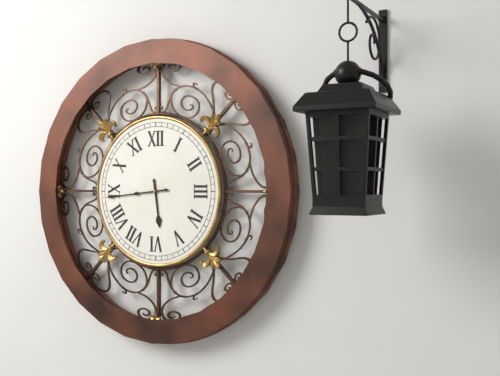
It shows **5:44**
